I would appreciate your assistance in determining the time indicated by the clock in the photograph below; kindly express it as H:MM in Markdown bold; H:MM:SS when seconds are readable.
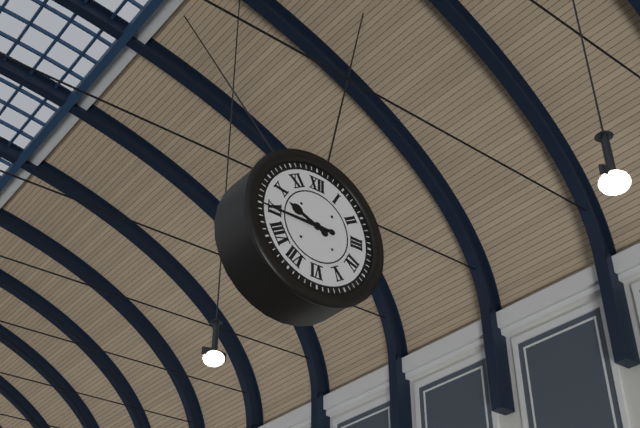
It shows **9:45**
